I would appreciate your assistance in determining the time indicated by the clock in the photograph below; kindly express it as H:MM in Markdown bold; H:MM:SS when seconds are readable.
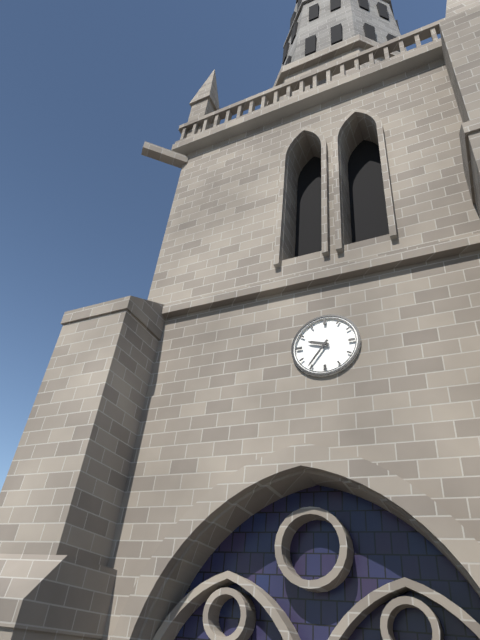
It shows **9:36**
